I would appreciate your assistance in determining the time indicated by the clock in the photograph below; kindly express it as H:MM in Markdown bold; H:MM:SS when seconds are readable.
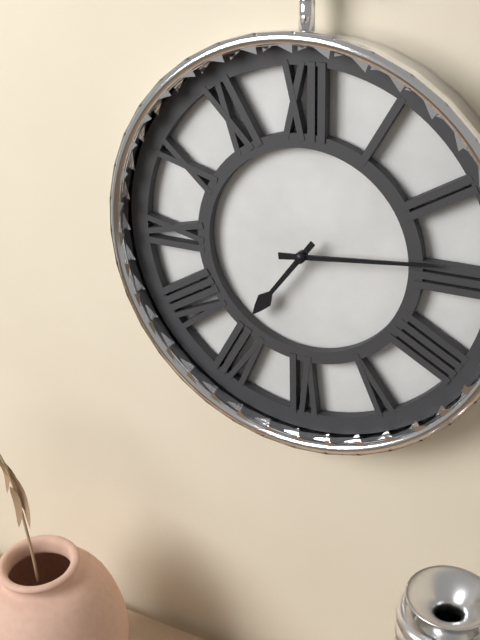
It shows **7:14**
